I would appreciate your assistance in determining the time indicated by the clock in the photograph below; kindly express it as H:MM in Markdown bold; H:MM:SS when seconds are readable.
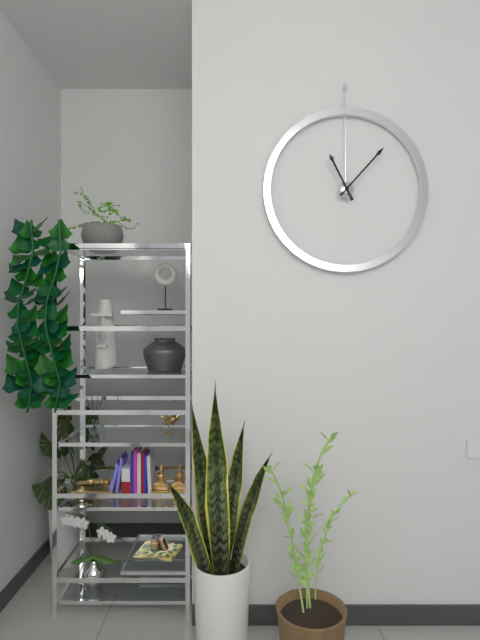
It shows **11:07**
